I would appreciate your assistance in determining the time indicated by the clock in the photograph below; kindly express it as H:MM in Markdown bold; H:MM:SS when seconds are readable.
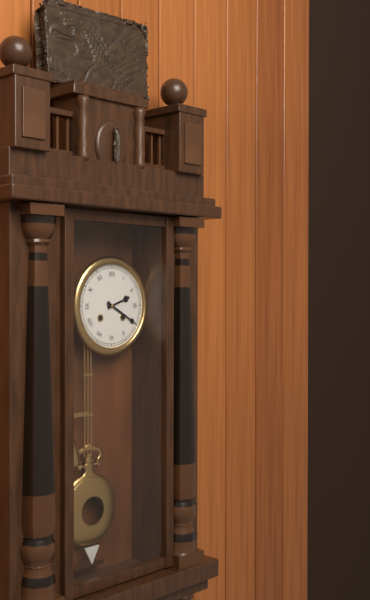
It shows **2:20**
